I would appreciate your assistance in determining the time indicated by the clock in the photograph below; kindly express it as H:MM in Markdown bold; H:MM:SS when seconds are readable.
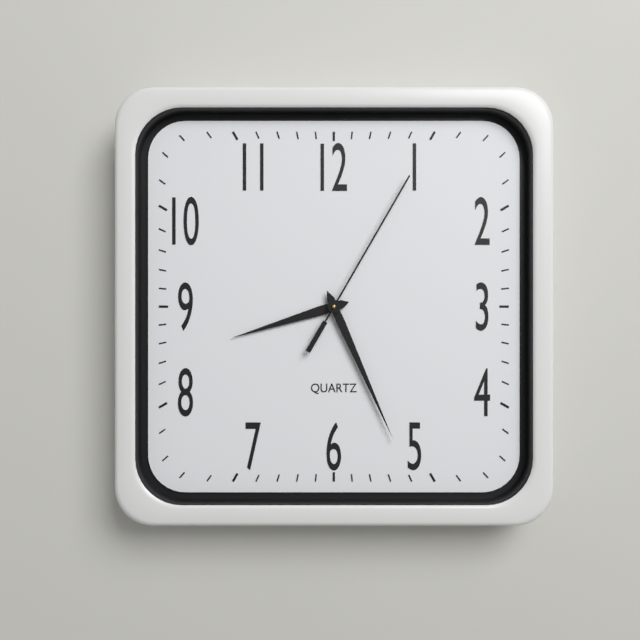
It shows **8:26:05**
